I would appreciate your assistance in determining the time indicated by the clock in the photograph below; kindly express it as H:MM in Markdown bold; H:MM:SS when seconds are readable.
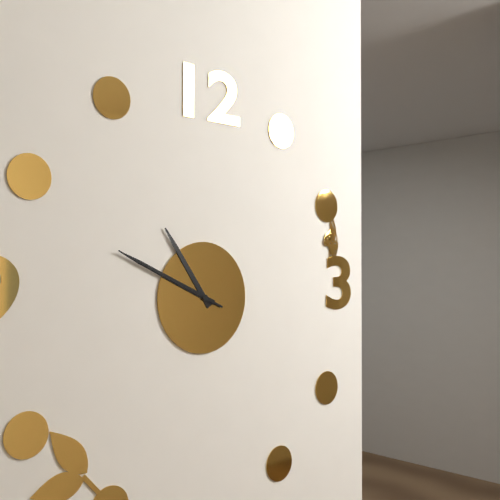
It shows **10:49:49**
